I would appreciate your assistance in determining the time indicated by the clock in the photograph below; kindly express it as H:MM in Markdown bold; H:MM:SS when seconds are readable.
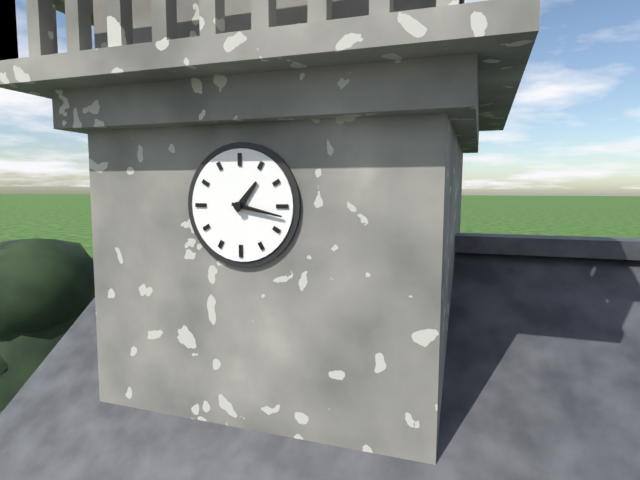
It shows **1:17**
